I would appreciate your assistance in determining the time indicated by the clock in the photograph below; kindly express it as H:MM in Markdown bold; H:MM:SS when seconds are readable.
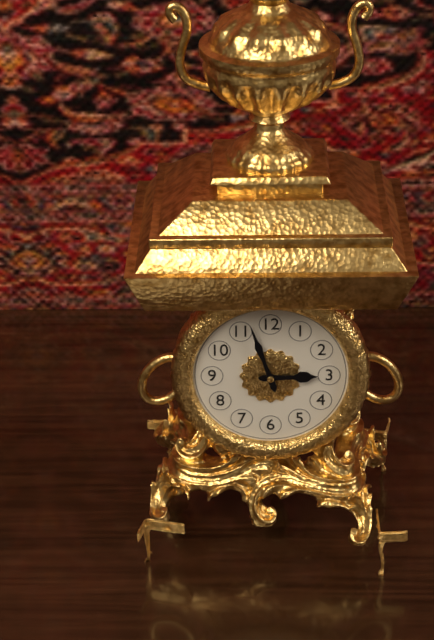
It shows **2:57**
